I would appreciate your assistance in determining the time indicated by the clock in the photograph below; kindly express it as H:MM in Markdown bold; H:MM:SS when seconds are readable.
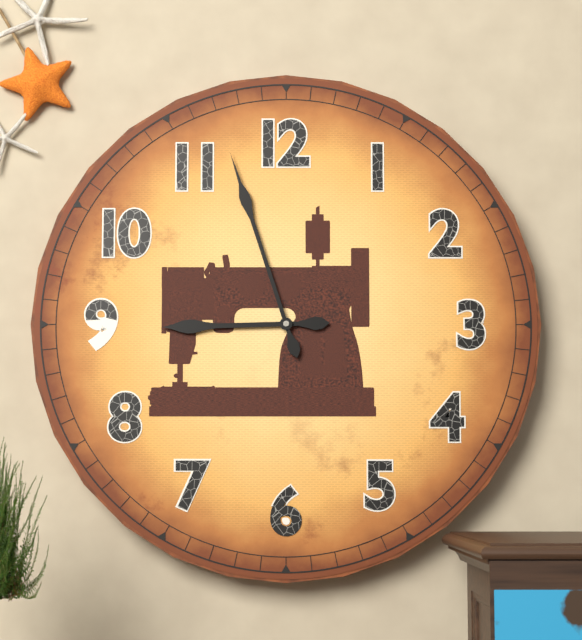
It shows **8:57**
